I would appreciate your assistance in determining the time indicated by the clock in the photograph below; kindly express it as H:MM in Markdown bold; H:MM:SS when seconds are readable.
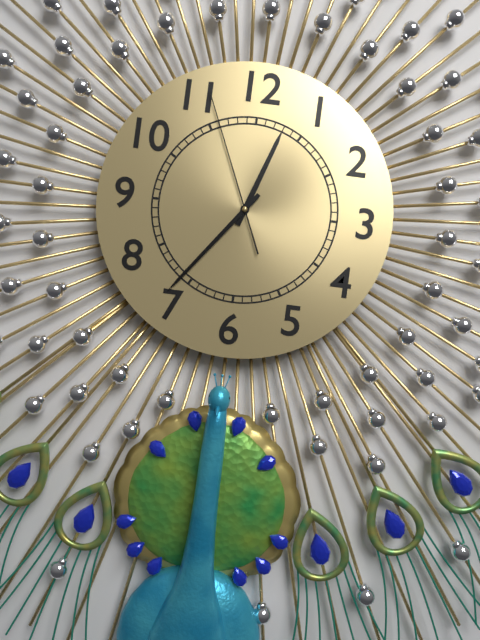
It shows **12:36:56**
